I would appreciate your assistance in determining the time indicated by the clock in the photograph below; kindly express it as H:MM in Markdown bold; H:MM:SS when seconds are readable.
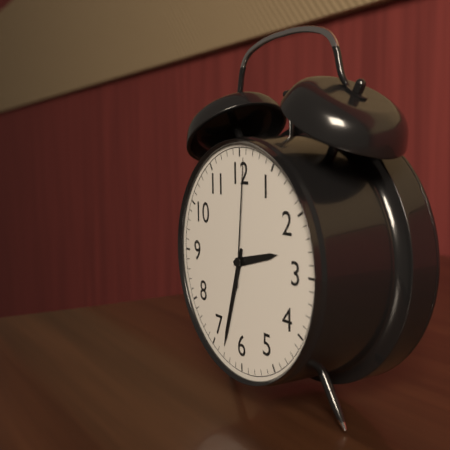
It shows **2:33:01**
